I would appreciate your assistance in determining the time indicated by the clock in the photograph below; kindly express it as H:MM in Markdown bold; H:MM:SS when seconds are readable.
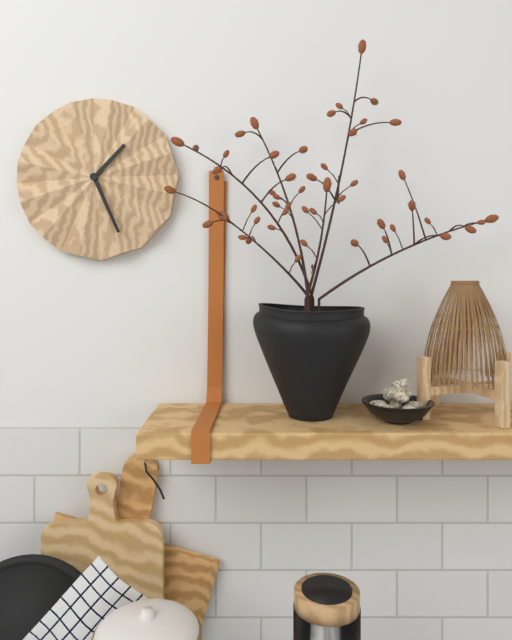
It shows **1:26**
